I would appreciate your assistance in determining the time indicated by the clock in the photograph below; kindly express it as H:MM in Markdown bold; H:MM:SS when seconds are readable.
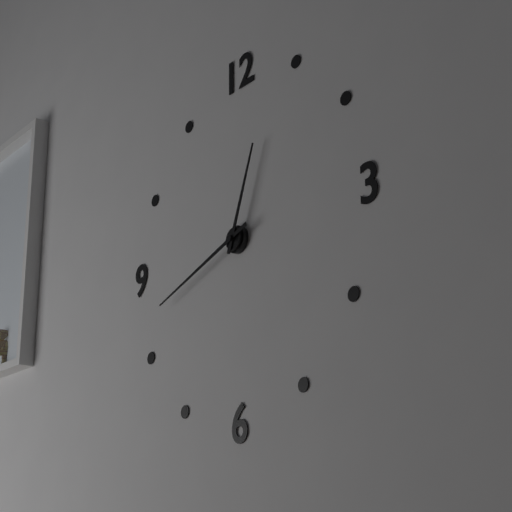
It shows **12:42**
